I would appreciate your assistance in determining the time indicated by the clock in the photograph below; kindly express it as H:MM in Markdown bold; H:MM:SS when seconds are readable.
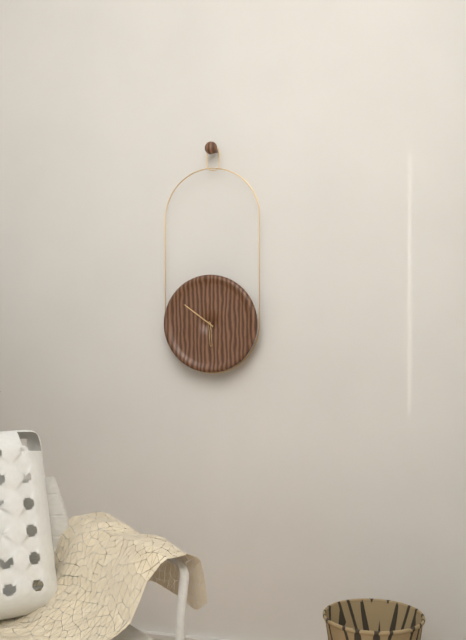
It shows **5:51**
